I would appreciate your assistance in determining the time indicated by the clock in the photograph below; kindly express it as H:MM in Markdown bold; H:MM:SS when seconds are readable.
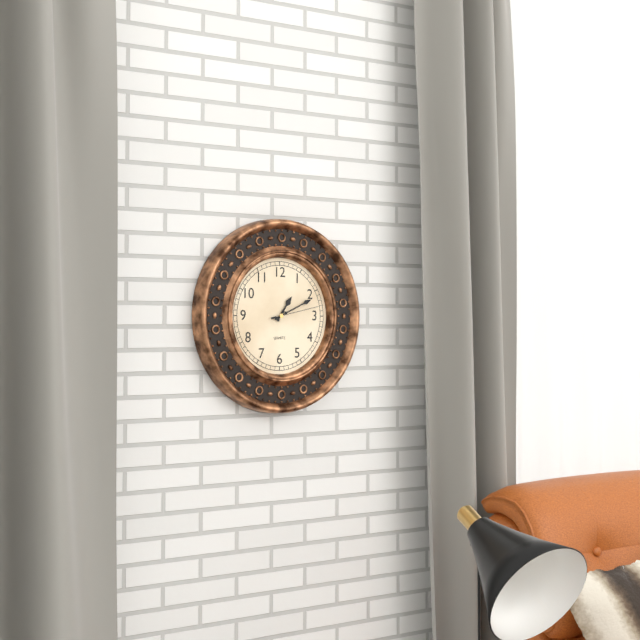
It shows **1:11**
